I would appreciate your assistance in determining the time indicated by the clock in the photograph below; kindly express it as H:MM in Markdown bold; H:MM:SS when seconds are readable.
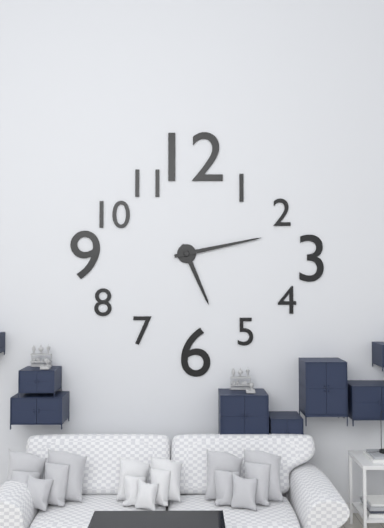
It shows **5:13**
